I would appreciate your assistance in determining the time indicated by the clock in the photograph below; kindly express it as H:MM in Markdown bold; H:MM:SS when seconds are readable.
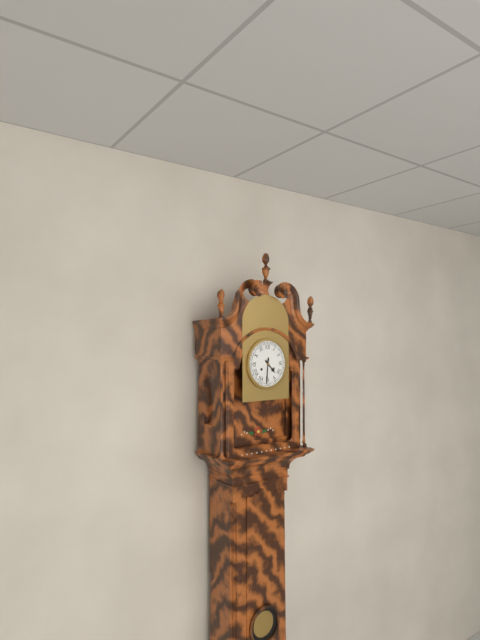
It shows **4:31**
